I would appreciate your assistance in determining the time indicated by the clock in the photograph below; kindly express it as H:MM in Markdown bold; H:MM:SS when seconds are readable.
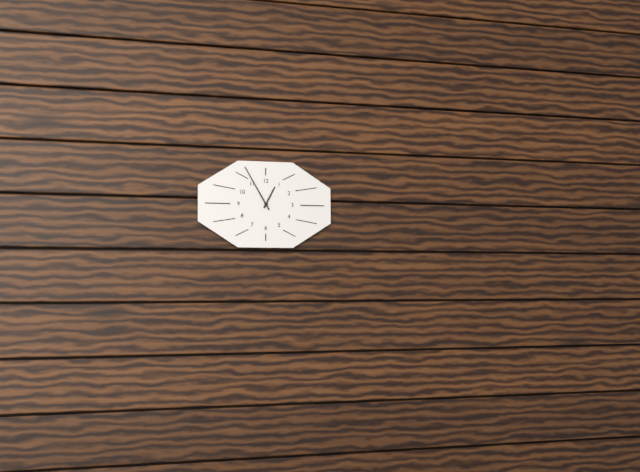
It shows **12:55**
